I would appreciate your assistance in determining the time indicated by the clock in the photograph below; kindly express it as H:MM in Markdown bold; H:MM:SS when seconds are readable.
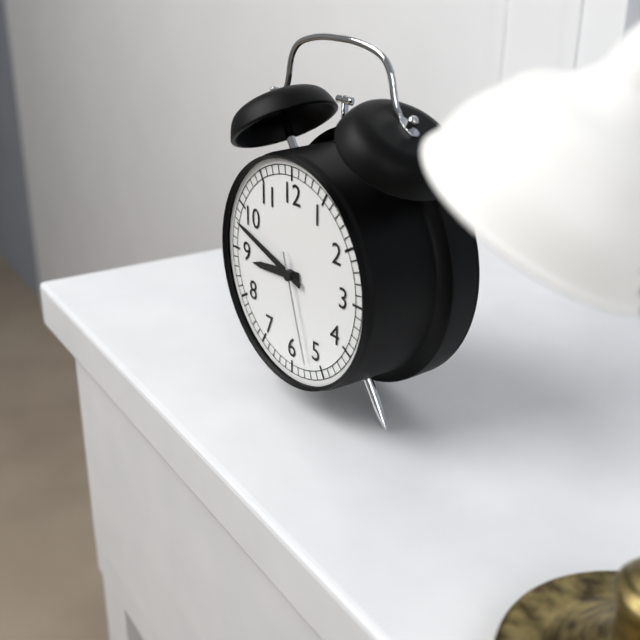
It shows **8:48:27**
